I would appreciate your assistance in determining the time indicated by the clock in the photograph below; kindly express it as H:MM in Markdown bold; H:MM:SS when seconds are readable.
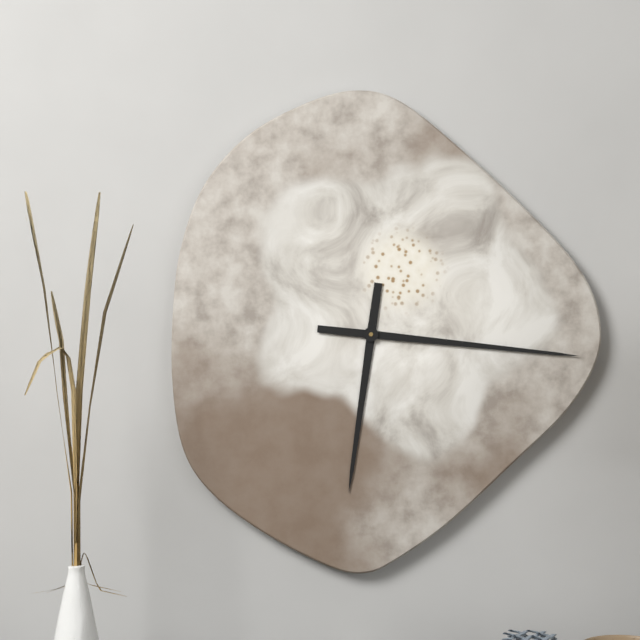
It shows **6:16**
